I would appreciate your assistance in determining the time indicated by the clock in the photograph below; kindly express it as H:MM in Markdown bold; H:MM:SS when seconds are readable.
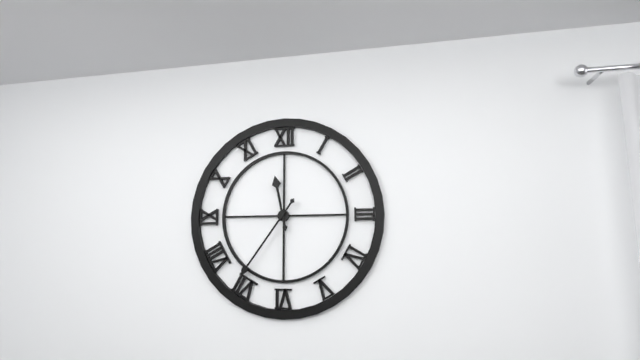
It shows **11:36**
